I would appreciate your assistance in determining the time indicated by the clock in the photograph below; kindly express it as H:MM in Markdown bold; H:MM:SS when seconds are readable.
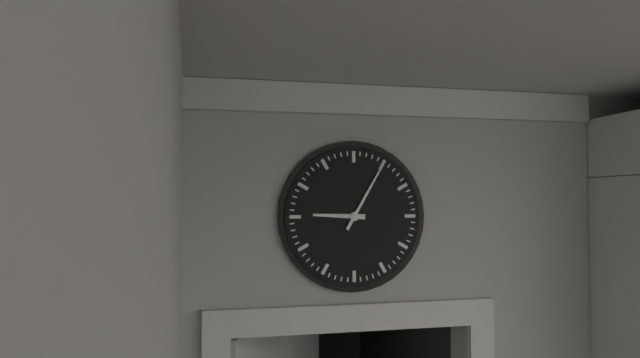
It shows **9:05**
